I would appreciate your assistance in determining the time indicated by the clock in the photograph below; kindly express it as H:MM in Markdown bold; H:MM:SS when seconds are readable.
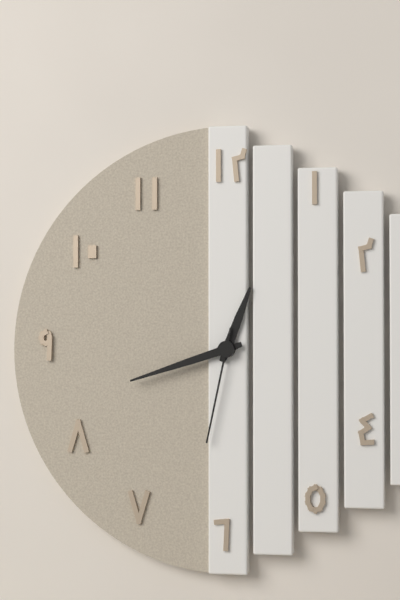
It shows **12:42:32**
